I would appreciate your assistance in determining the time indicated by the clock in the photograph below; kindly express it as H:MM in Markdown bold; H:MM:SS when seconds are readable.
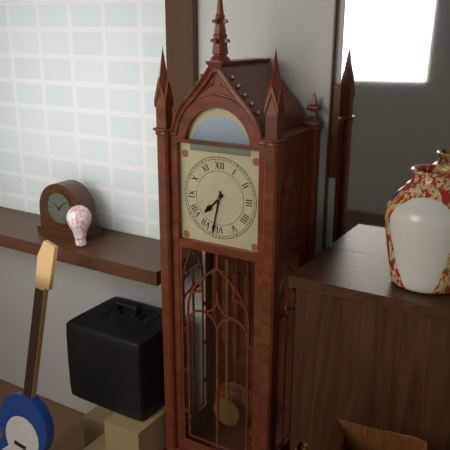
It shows **7:32**
